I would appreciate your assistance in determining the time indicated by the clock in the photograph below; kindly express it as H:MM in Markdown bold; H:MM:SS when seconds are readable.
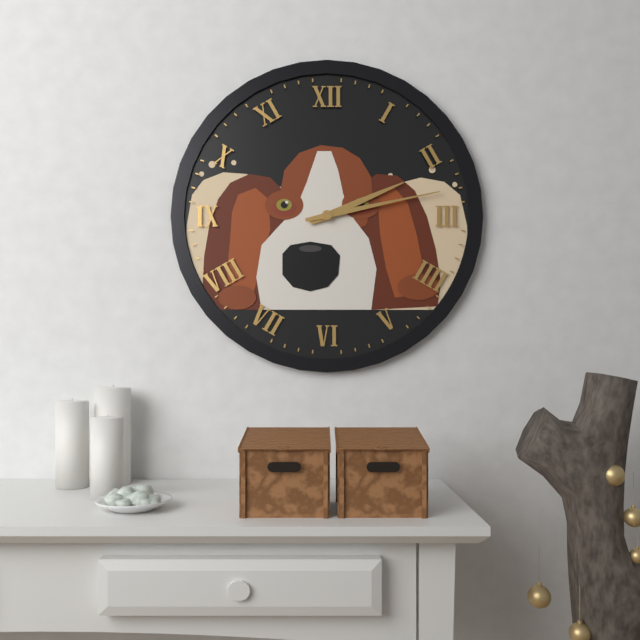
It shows **2:13**
